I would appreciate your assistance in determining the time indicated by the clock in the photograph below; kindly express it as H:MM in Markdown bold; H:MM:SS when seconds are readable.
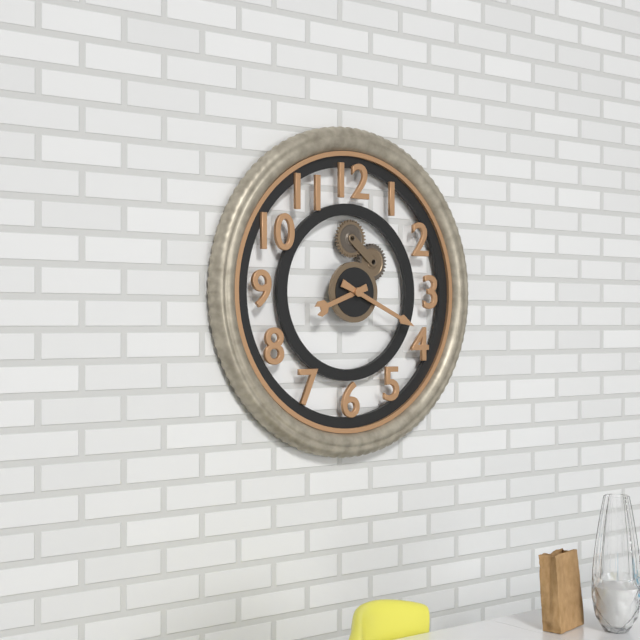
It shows **8:19**
